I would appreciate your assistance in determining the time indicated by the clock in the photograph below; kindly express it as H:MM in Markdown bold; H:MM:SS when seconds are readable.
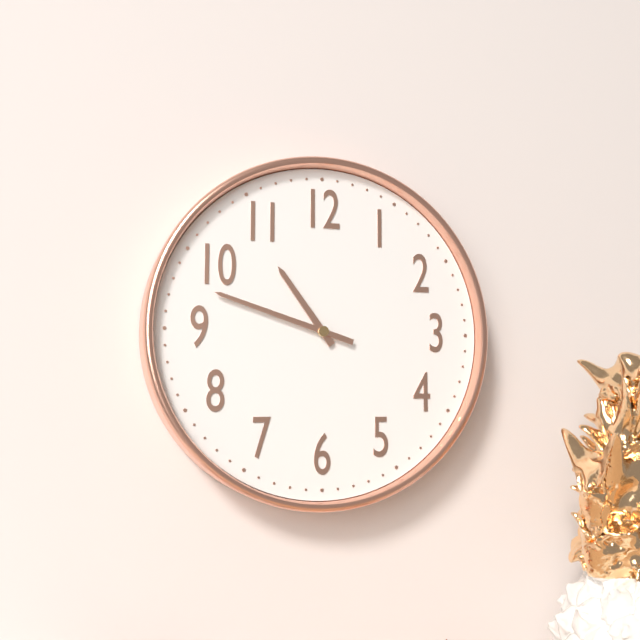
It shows **10:48**
